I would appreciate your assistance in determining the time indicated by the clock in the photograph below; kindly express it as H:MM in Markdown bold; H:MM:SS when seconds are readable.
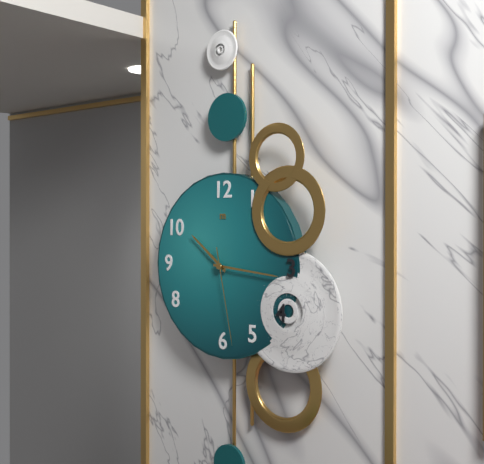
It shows **10:16:28**
